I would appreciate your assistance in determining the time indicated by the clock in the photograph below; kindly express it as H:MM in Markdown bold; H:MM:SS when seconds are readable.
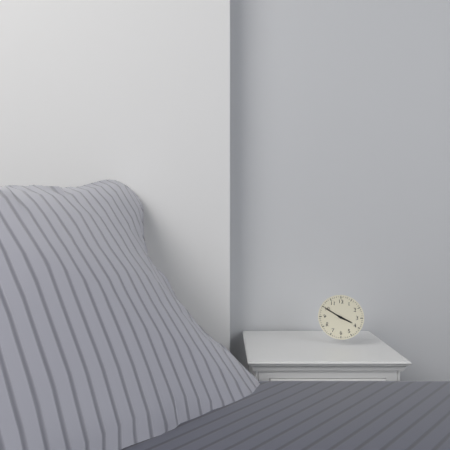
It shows **3:50**
